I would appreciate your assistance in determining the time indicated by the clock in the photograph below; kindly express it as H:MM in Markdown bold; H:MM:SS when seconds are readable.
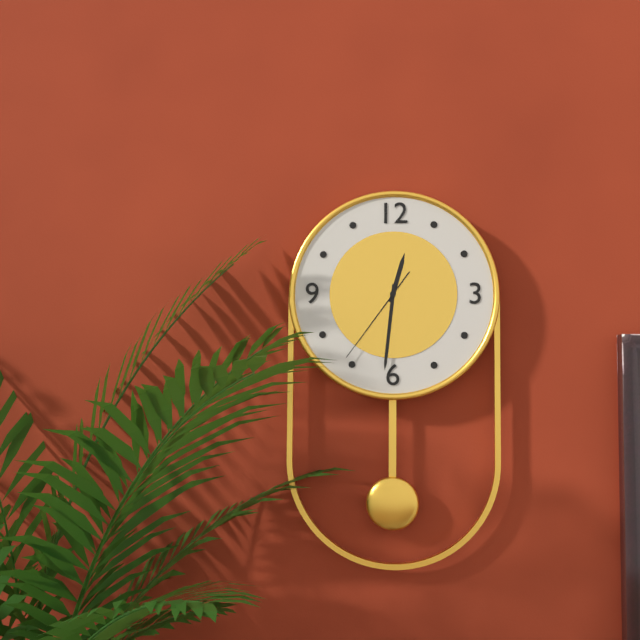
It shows **12:31:36**
